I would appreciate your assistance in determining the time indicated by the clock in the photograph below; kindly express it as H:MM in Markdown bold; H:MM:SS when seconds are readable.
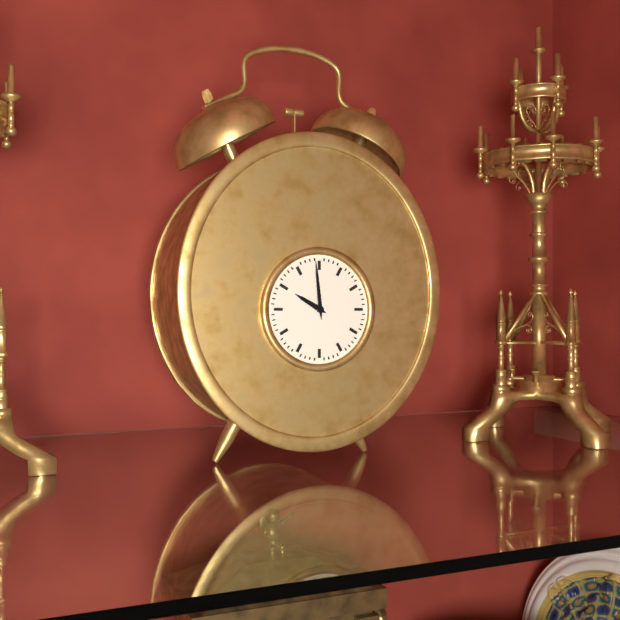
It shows **9:59**
